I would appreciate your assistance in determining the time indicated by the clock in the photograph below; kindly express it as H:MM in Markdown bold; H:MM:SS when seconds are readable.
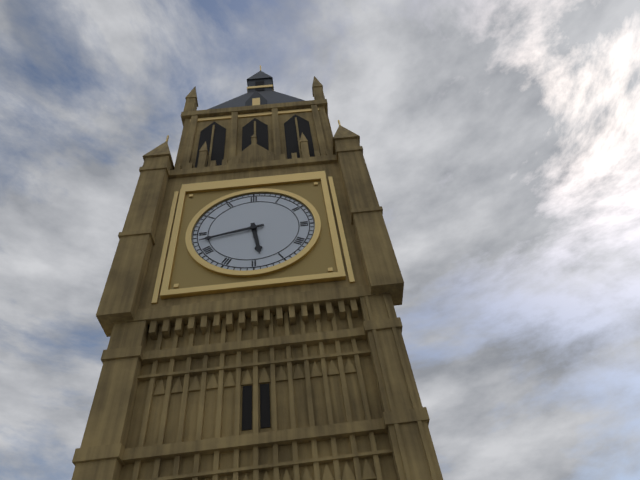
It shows **5:43**
